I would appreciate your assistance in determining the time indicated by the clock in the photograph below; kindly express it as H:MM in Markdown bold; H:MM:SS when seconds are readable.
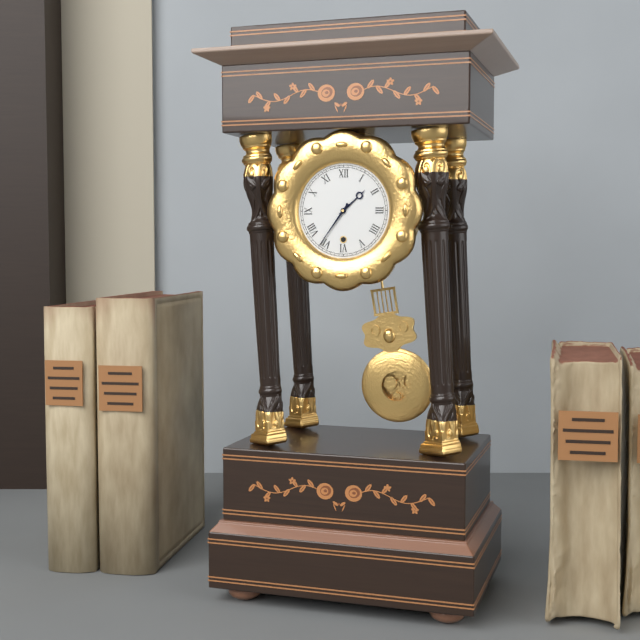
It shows **1:36**
